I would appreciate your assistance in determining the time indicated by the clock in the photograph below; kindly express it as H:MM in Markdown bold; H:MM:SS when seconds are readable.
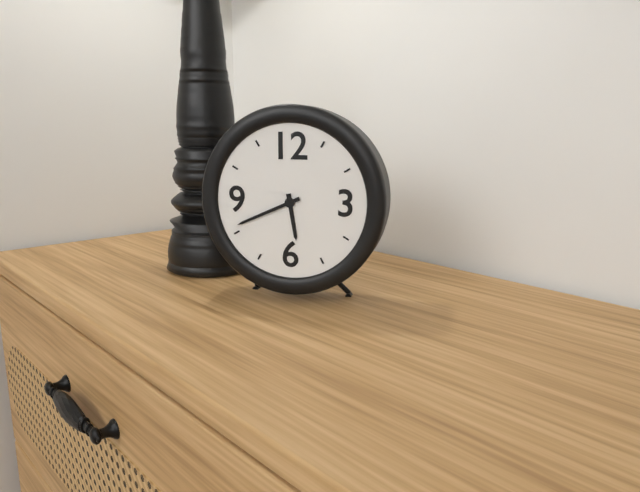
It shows **5:41**
